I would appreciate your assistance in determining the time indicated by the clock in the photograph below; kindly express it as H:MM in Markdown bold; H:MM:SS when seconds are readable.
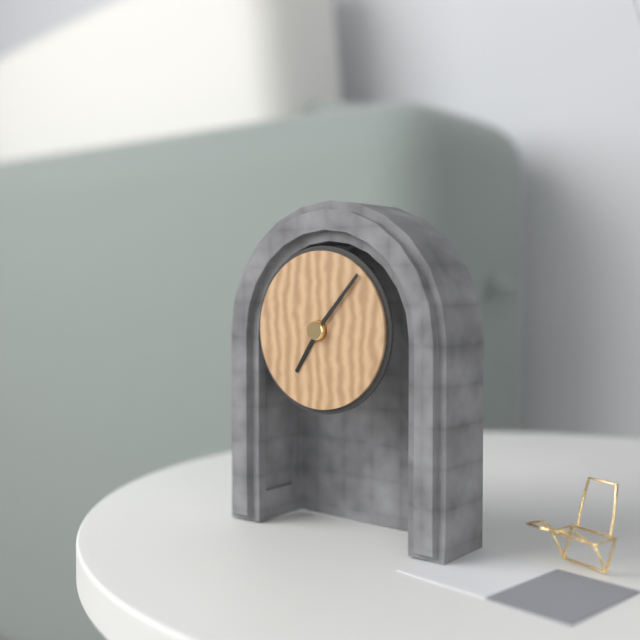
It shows **7:07**
